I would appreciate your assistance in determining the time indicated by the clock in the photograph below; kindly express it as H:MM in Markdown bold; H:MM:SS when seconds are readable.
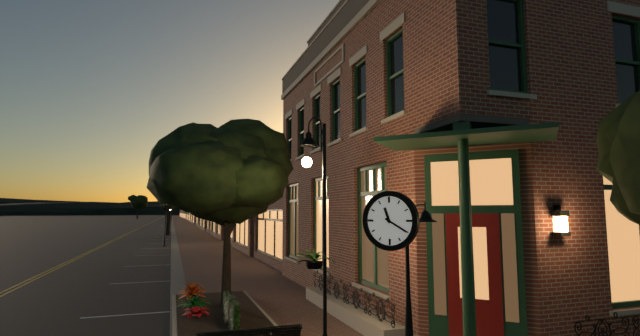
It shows **11:20**
